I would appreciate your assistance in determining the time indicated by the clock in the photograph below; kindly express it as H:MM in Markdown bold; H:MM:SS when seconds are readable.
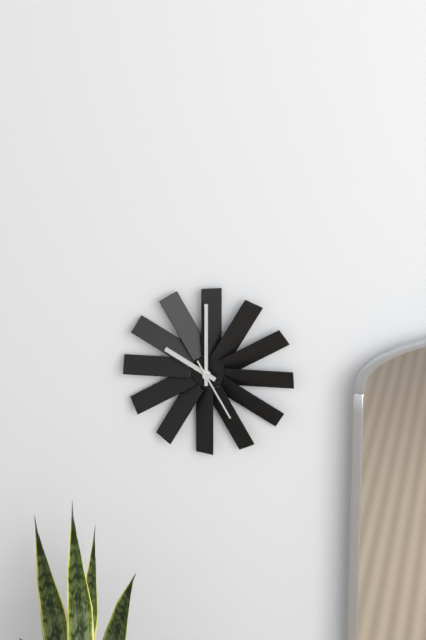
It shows **10:00:25**
